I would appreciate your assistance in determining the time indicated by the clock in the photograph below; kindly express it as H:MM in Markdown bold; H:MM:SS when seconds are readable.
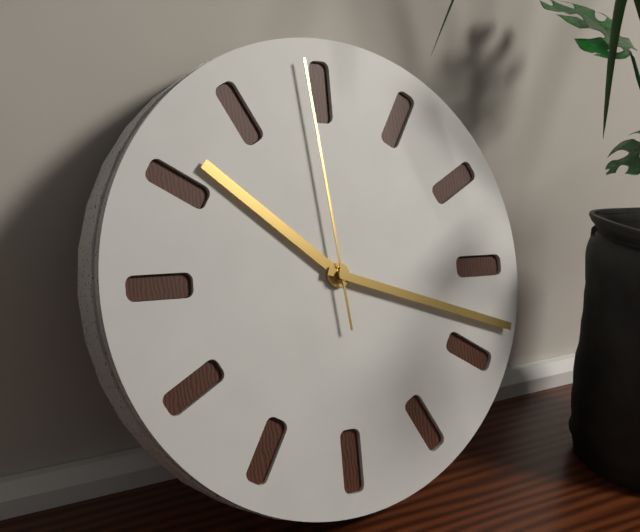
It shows **10:18:59**
